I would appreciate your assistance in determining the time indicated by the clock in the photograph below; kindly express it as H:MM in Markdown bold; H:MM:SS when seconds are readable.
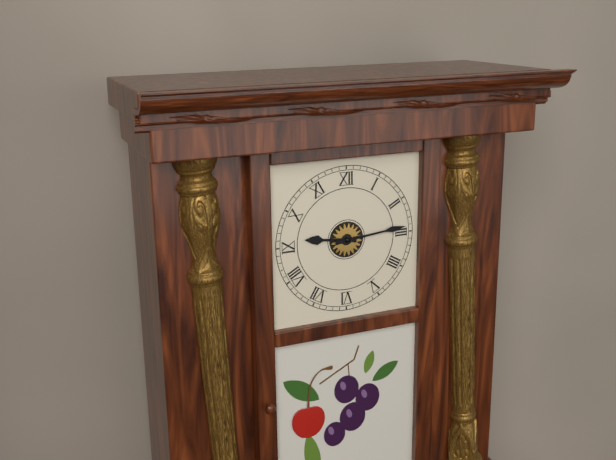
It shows **9:14**
